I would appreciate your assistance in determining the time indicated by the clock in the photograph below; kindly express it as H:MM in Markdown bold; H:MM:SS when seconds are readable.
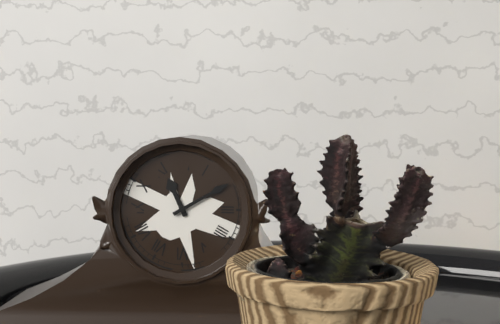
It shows **11:10**
